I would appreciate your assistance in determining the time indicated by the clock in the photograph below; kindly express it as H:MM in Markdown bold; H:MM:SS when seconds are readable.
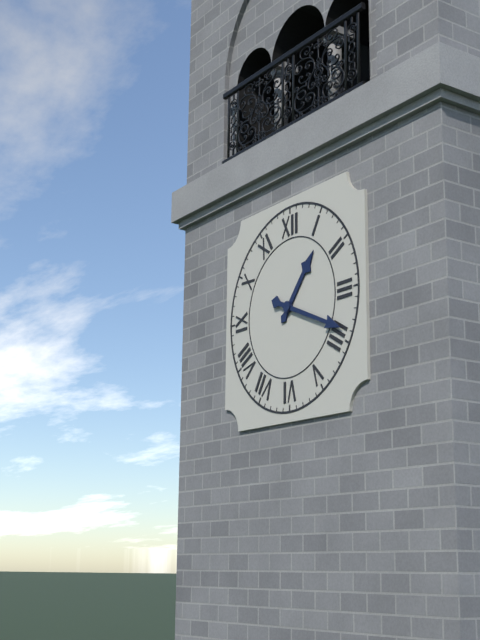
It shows **1:19**
